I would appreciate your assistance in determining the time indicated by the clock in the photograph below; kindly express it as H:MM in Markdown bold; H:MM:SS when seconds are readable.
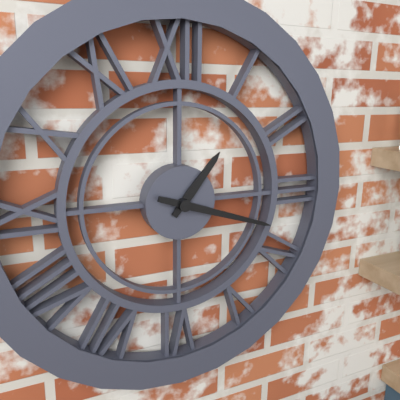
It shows **1:18**
